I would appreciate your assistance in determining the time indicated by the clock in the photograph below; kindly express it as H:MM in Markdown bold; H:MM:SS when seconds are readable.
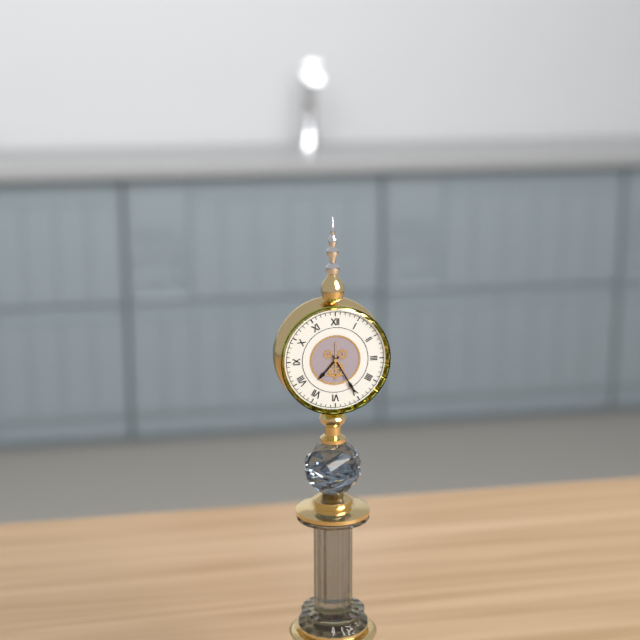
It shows **7:25**
